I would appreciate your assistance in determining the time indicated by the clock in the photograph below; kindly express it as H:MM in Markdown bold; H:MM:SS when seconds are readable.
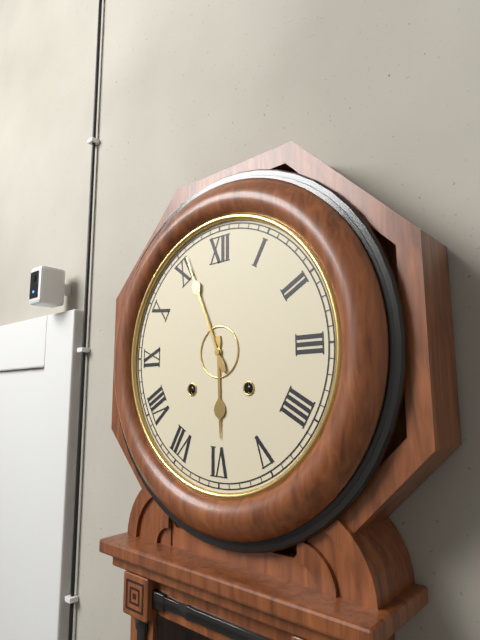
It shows **5:56**
